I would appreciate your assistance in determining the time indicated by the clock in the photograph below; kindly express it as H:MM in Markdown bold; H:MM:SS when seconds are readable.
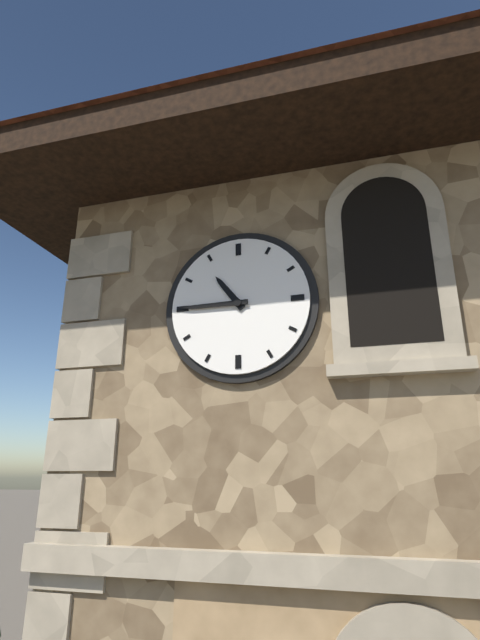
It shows **10:45**
